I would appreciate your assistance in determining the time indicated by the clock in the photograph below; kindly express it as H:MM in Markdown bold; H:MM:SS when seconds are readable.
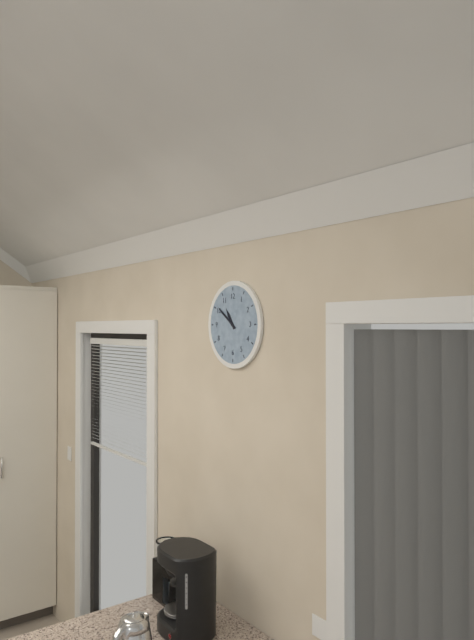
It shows **10:51**
